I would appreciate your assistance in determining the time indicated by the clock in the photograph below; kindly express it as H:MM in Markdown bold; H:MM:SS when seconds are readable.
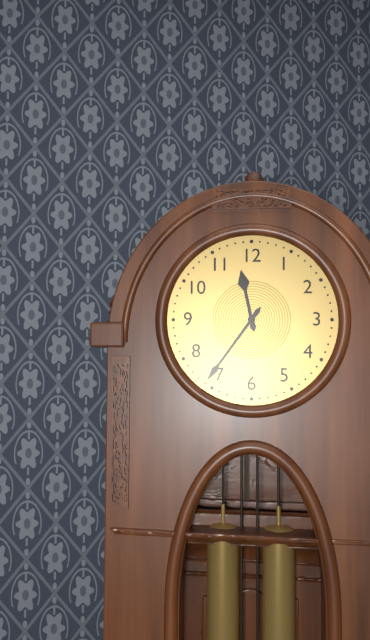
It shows **11:36**
